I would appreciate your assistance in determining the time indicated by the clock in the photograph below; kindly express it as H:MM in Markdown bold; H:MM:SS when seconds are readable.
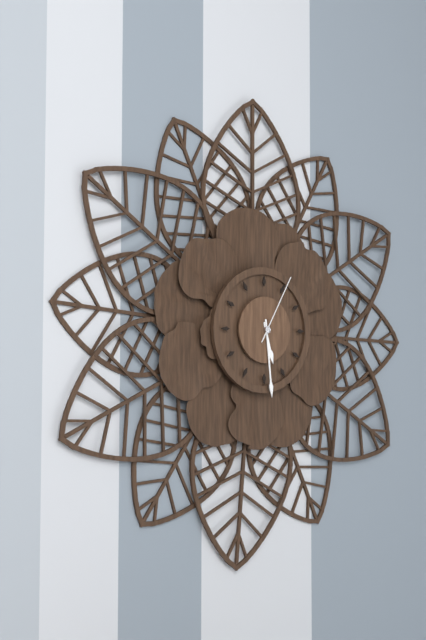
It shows **5:29:05**
